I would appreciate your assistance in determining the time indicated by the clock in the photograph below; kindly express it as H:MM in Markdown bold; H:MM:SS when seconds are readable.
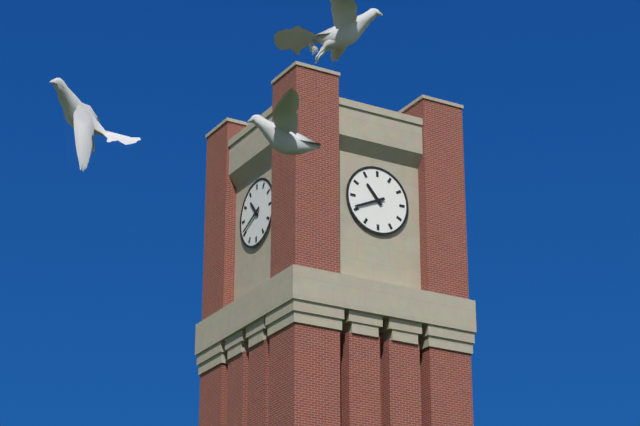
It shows **10:41**
